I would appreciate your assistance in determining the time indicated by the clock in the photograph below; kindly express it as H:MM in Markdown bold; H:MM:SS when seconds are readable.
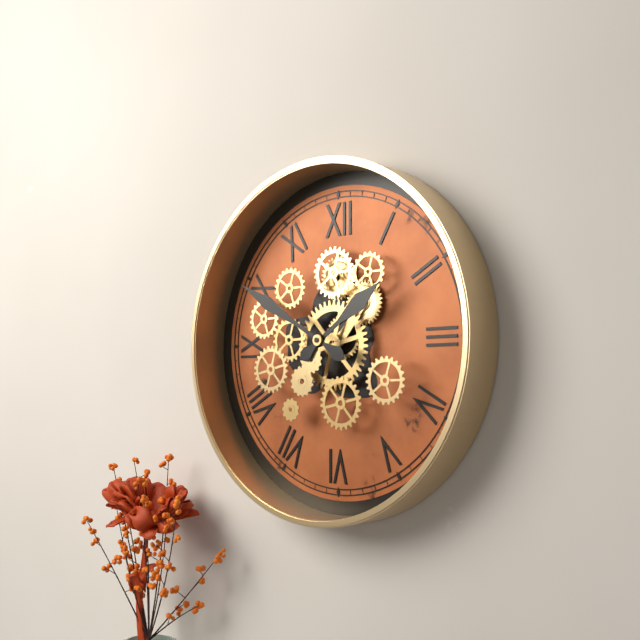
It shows **1:50**
